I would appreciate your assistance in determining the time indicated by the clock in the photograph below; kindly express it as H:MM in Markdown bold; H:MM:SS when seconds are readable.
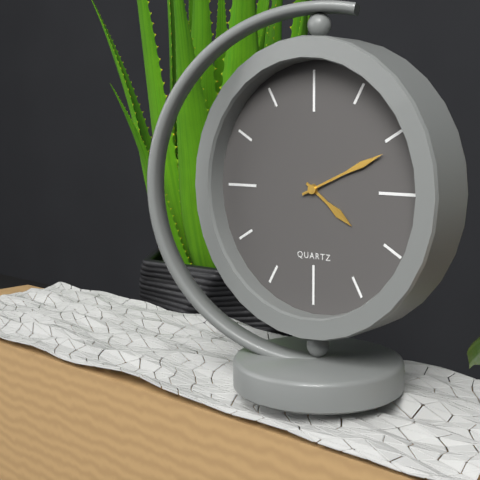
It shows **4:11**
